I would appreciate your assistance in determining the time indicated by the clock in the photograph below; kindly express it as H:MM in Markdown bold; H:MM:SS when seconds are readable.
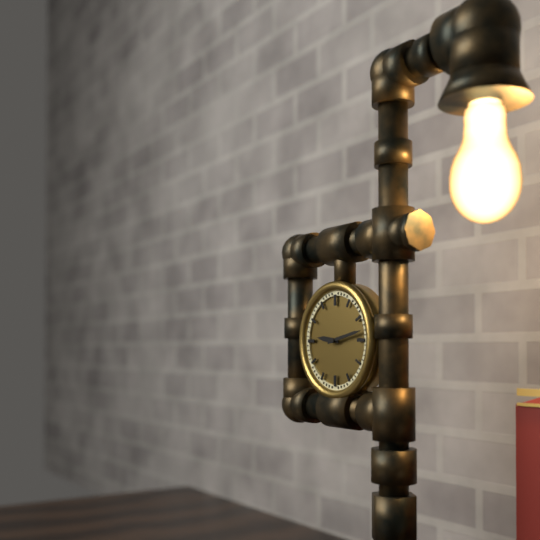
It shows **9:13**
